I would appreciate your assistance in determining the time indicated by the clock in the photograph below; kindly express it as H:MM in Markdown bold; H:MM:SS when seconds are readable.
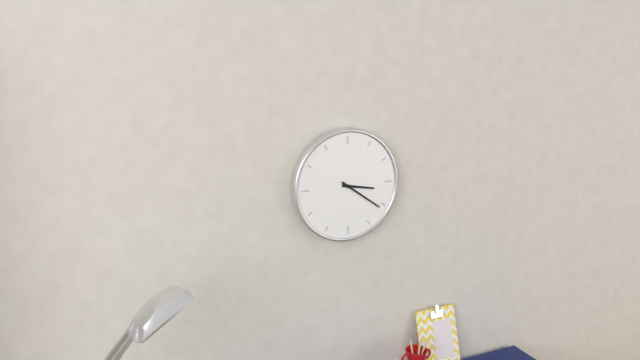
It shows **3:21**
